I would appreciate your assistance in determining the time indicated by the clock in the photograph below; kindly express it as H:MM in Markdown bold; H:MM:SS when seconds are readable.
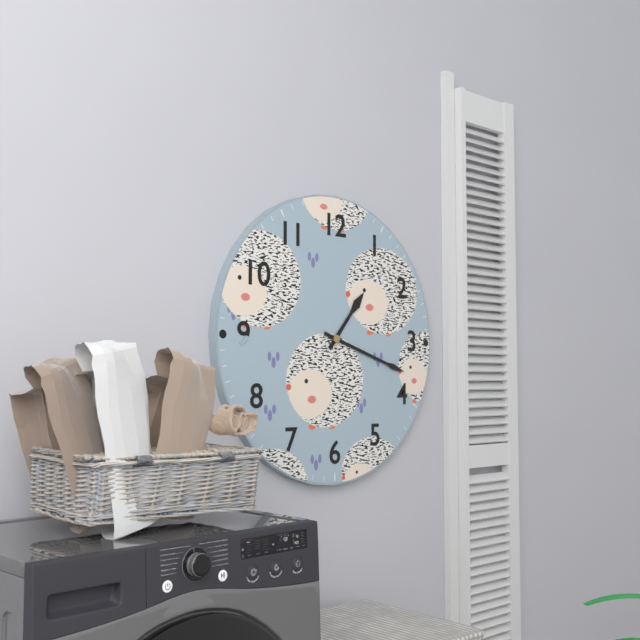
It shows **1:18**
